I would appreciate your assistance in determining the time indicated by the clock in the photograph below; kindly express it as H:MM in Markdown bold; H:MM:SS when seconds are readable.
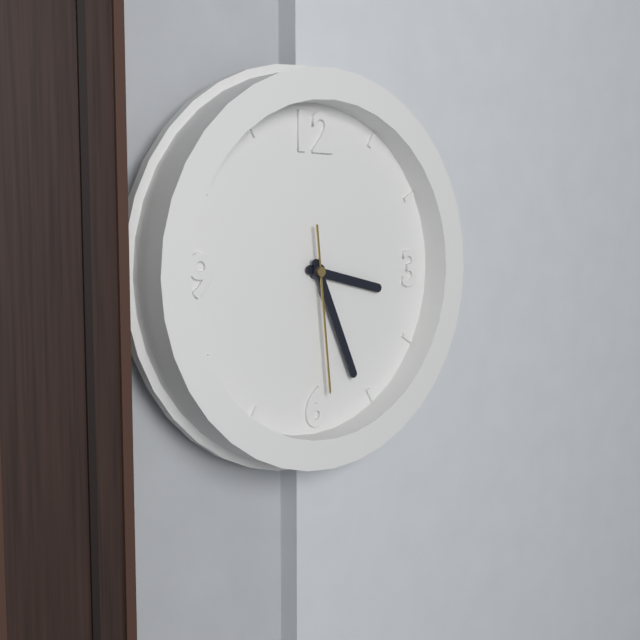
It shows **3:26:29**
